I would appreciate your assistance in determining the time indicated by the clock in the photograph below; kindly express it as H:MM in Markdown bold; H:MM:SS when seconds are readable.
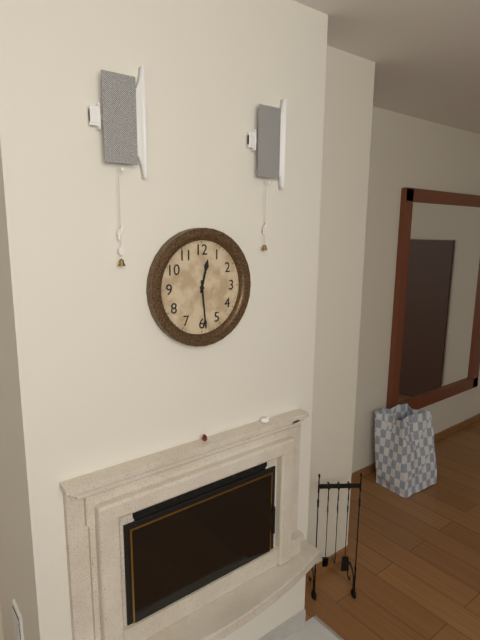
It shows **12:29**
